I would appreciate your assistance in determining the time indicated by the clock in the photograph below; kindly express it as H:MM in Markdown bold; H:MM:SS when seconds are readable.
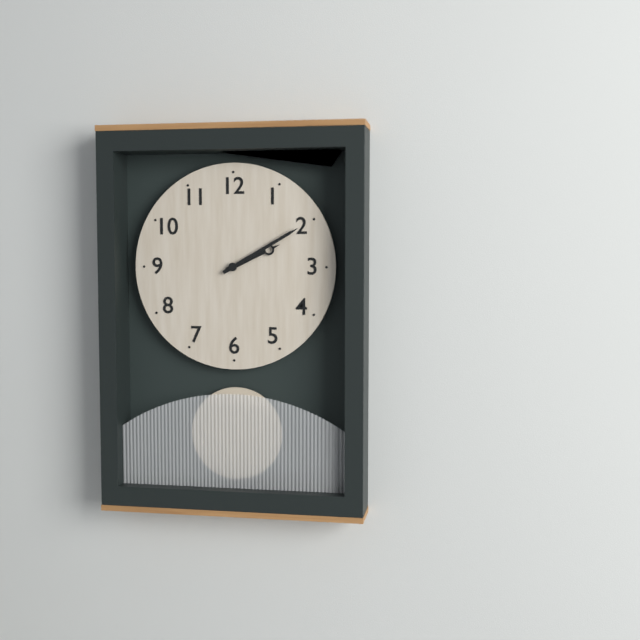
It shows **2:10**
